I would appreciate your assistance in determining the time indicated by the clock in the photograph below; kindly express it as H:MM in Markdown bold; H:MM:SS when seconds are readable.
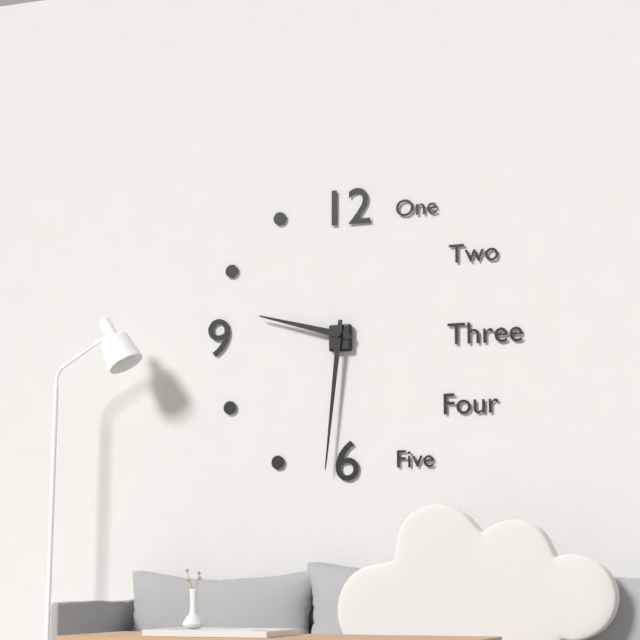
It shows **9:31**
